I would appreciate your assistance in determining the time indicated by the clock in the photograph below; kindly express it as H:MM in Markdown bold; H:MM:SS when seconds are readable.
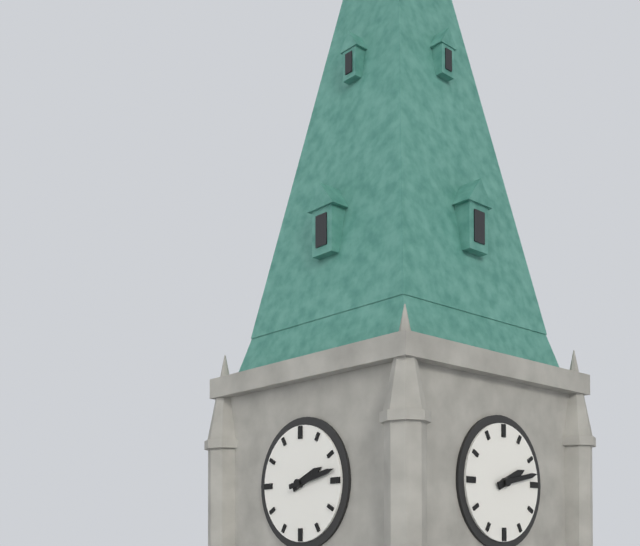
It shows **2:13**
